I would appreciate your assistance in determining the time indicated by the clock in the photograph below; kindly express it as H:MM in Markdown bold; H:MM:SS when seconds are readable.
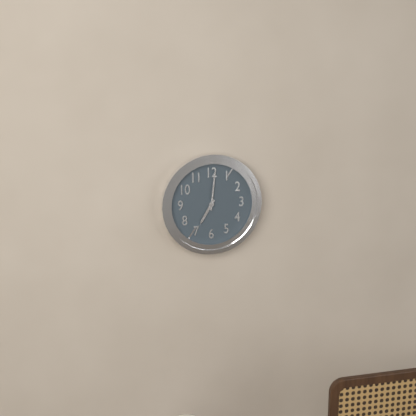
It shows **7:01**
